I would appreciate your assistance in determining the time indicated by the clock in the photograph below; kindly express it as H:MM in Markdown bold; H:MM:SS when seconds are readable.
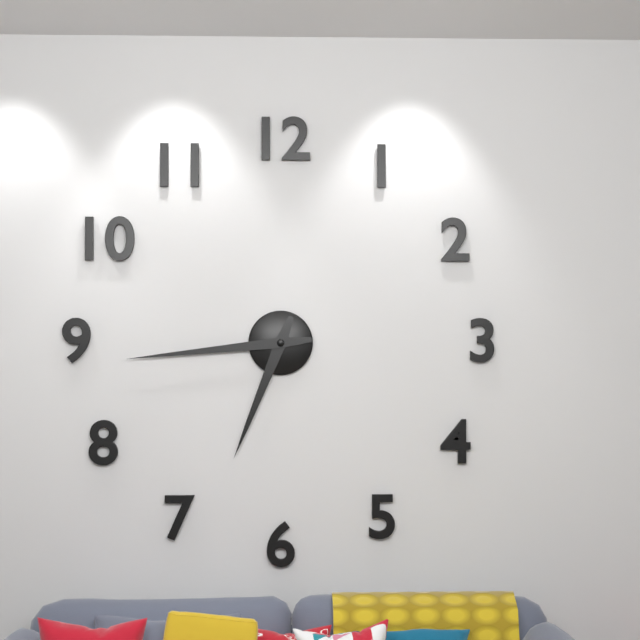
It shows **6:44**
